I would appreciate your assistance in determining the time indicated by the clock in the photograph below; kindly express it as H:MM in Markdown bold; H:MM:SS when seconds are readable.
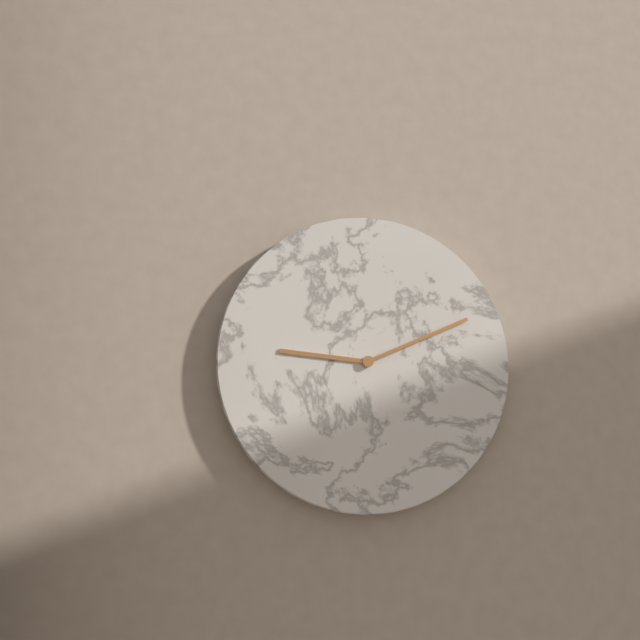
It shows **9:11**
